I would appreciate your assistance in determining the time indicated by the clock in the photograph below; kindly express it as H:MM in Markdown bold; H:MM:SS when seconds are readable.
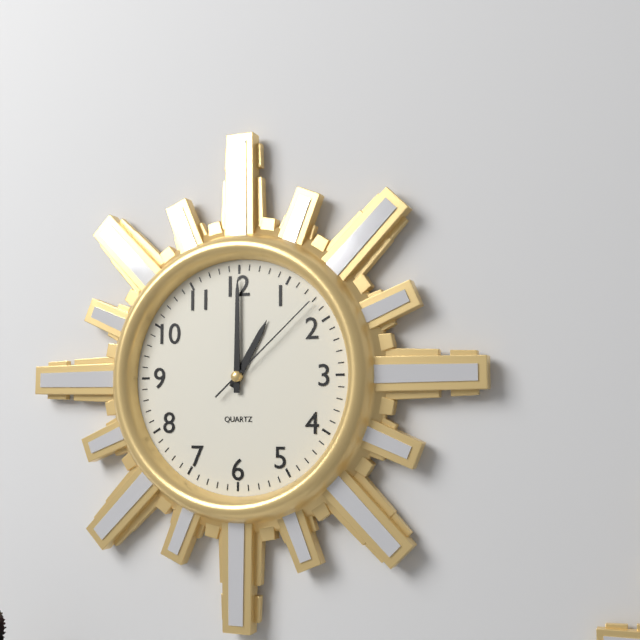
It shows **1:00:08**
